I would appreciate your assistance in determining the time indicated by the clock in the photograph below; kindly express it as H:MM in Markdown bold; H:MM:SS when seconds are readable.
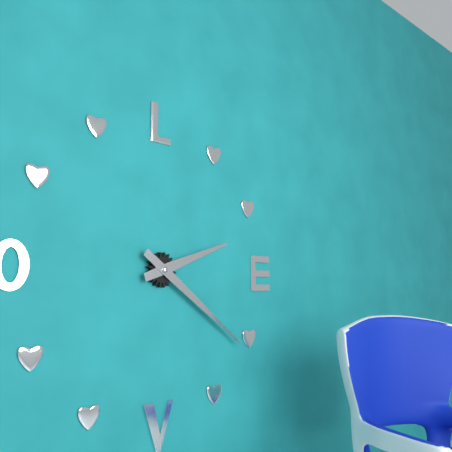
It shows **2:21**
